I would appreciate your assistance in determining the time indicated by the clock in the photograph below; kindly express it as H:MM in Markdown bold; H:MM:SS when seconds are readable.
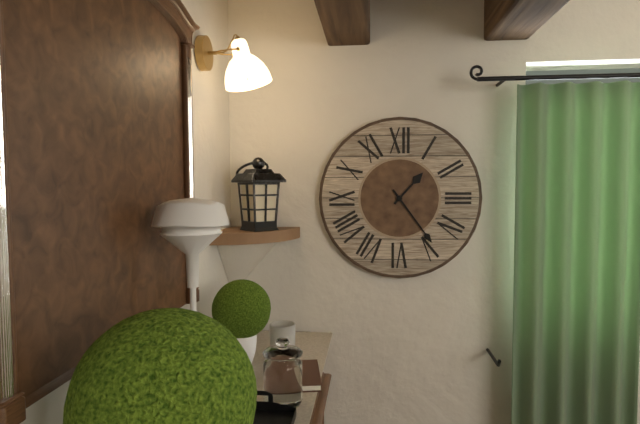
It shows **1:24**
